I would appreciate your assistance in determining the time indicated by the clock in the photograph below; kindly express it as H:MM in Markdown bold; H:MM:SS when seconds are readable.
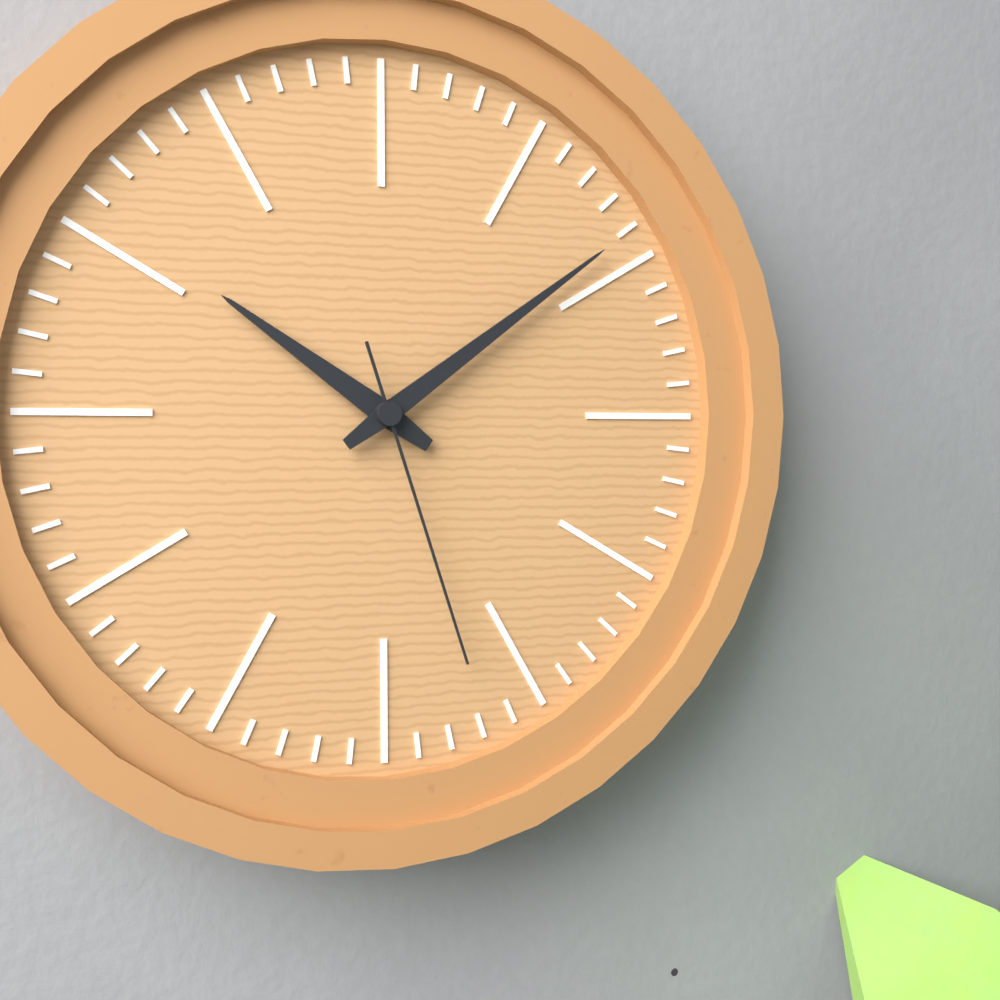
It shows **10:09:27**
